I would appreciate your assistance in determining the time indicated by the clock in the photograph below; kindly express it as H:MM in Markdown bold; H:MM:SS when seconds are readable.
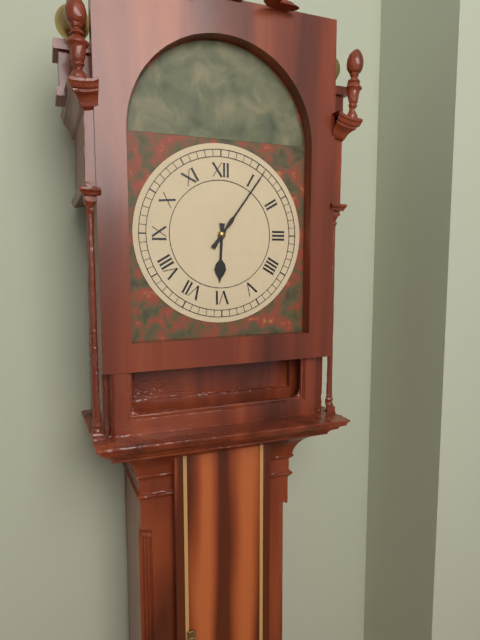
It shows **6:06**
